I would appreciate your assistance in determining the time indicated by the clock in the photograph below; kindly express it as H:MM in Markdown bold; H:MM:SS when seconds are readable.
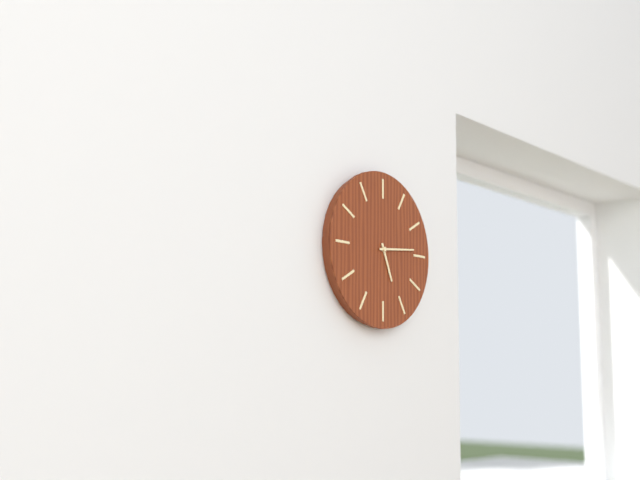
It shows **5:14**
